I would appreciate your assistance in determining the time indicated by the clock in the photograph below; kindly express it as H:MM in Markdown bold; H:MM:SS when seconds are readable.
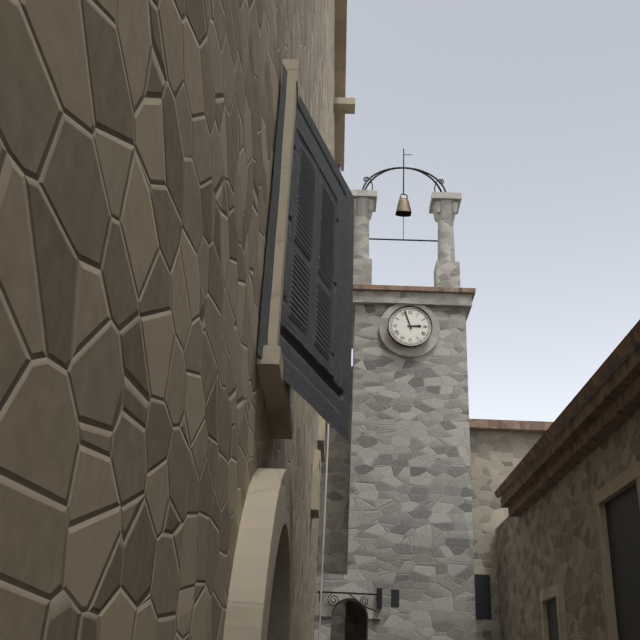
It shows **2:57**
